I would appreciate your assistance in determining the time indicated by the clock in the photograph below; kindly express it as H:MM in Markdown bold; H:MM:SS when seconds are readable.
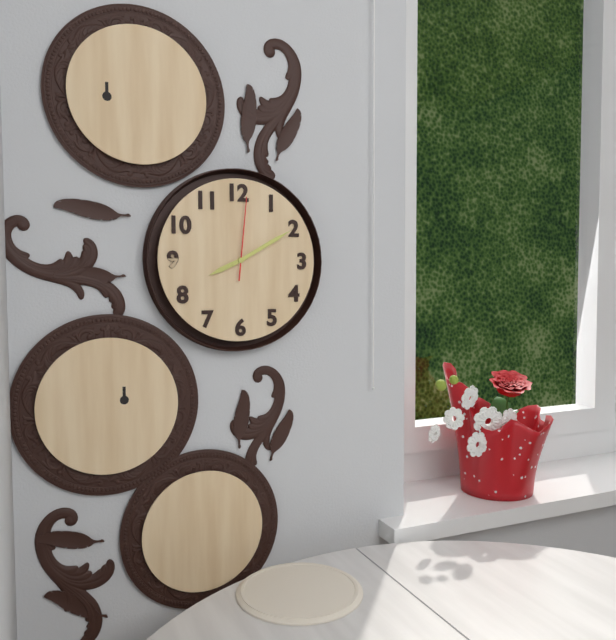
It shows **8:10:01**
